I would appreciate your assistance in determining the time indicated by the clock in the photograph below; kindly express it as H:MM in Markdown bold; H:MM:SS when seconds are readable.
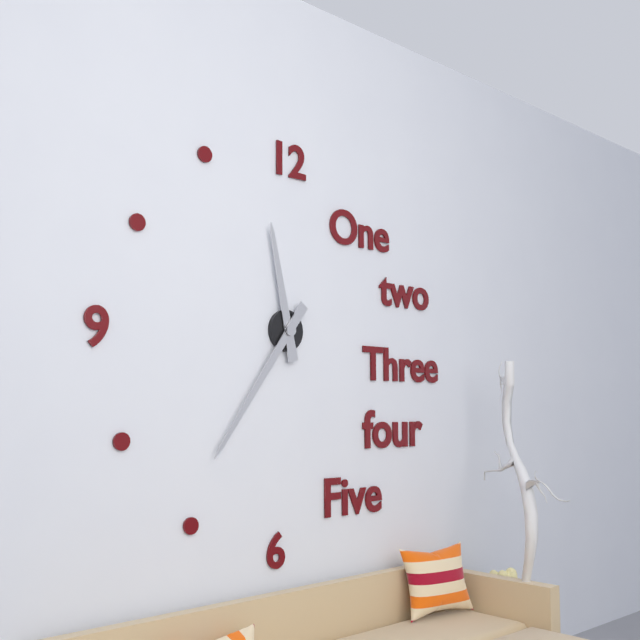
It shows **11:36**
